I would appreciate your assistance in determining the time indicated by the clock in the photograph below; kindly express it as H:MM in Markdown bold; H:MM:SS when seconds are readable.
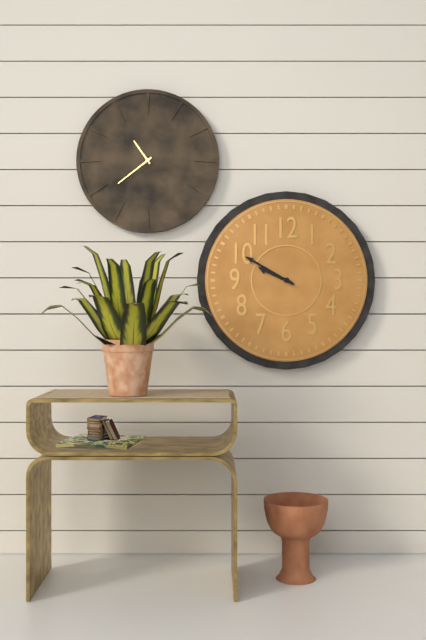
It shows **9:50**
